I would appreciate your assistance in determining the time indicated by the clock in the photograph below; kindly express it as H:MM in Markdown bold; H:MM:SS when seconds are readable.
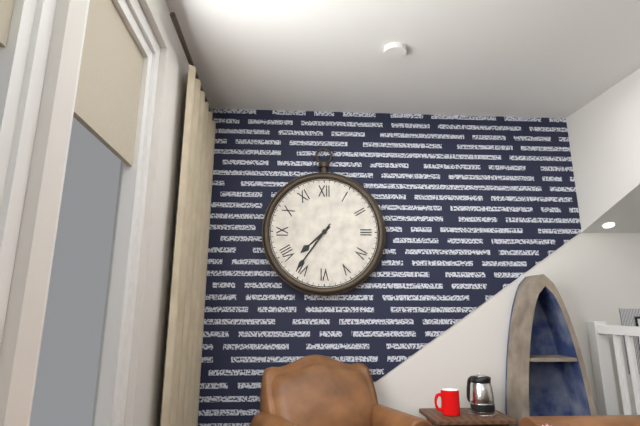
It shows **7:36**
